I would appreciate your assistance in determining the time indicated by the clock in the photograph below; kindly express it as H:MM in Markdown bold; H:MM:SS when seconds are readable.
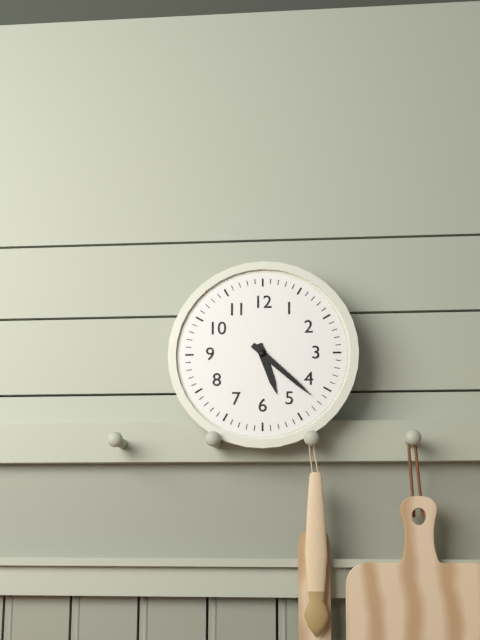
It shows **5:22**
